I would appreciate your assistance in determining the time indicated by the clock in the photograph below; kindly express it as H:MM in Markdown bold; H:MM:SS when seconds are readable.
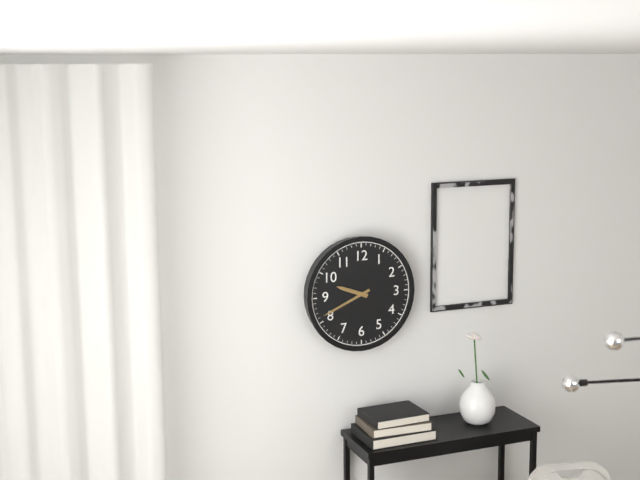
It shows **9:41**
